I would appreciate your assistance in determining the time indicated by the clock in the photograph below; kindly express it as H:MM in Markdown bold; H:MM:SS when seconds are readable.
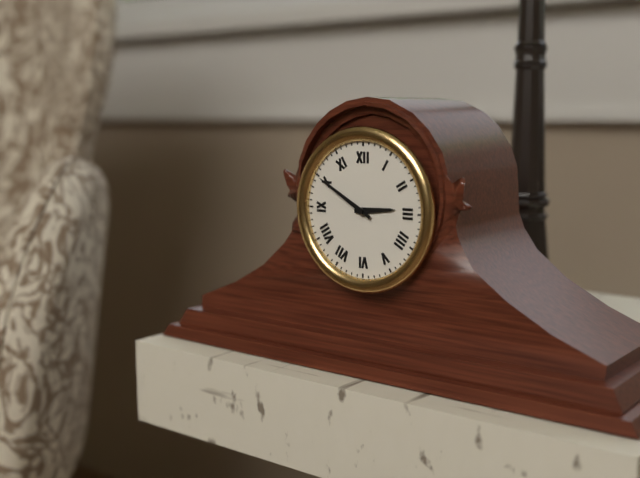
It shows **2:50**
